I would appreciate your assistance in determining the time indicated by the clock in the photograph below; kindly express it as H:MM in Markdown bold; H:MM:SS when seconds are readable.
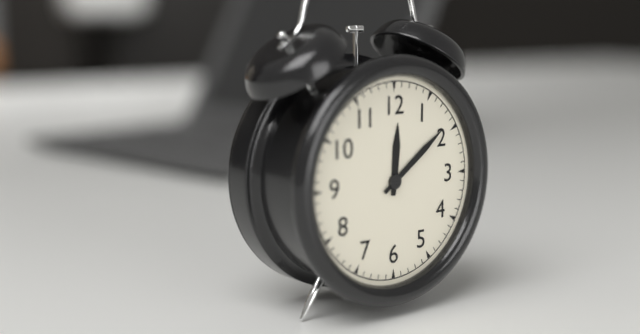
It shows **12:09**
